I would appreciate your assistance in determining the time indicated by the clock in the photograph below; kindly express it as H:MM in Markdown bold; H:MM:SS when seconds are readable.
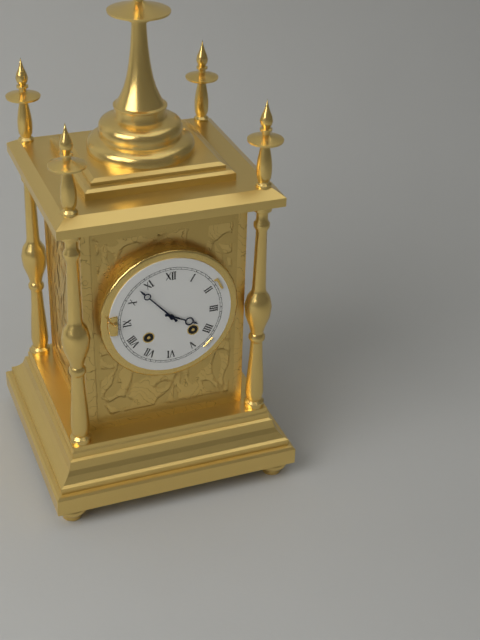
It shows **3:53**
